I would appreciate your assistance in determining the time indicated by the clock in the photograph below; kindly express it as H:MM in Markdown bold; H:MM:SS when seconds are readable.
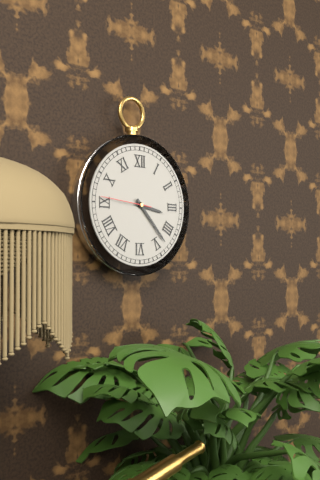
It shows **3:23:46**
